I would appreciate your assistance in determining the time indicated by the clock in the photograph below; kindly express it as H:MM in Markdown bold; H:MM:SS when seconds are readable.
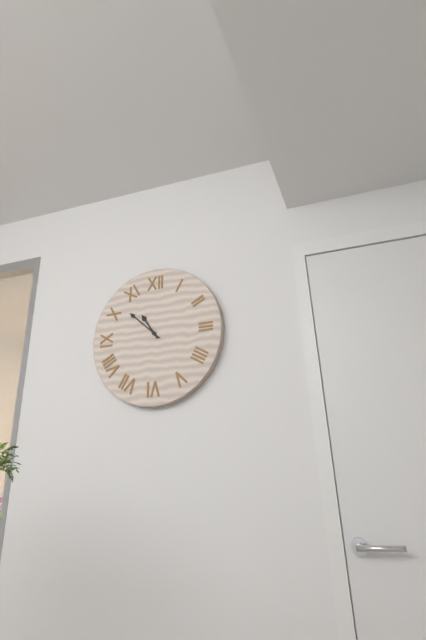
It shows **10:52**
